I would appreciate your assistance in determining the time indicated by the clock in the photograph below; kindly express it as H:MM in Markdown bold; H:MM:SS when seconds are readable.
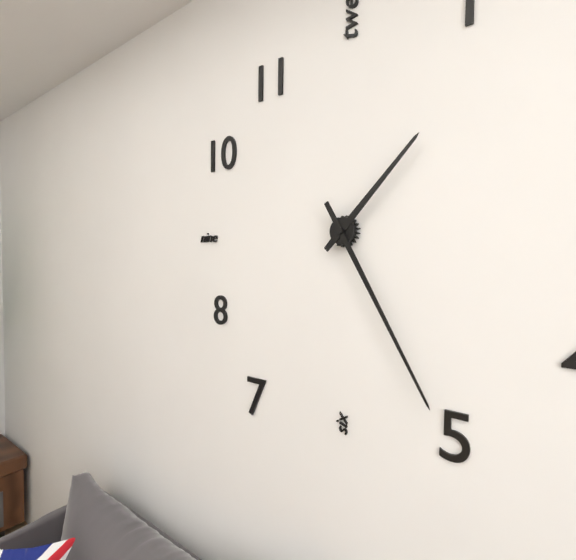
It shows **1:25**
